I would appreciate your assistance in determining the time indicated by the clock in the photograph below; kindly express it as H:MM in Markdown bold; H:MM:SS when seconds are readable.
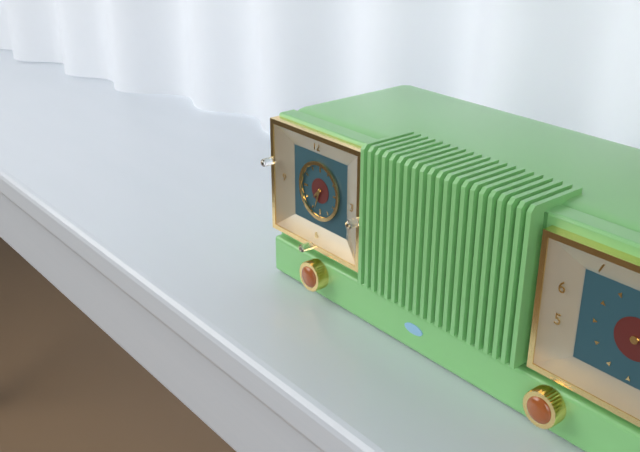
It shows **7:33**
